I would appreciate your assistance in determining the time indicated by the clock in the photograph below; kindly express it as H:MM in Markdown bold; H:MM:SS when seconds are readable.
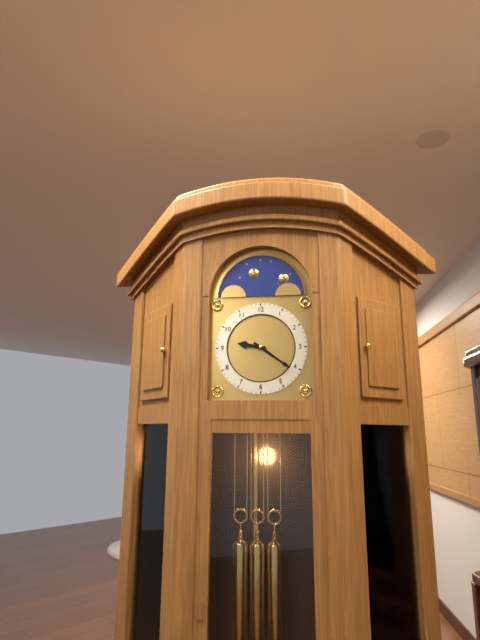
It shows **9:21**
